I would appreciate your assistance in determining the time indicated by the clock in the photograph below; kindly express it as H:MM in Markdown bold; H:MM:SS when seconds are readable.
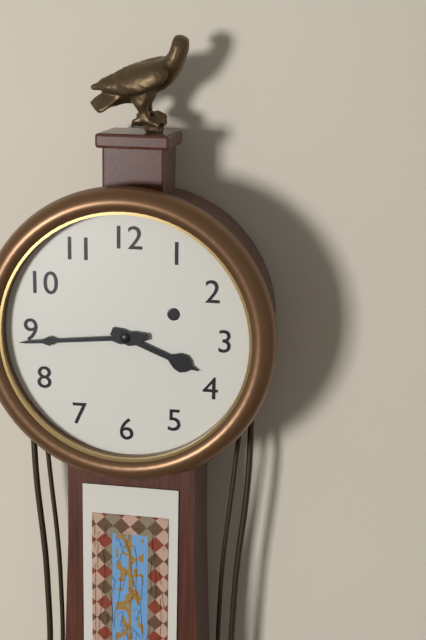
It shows **3:44**
